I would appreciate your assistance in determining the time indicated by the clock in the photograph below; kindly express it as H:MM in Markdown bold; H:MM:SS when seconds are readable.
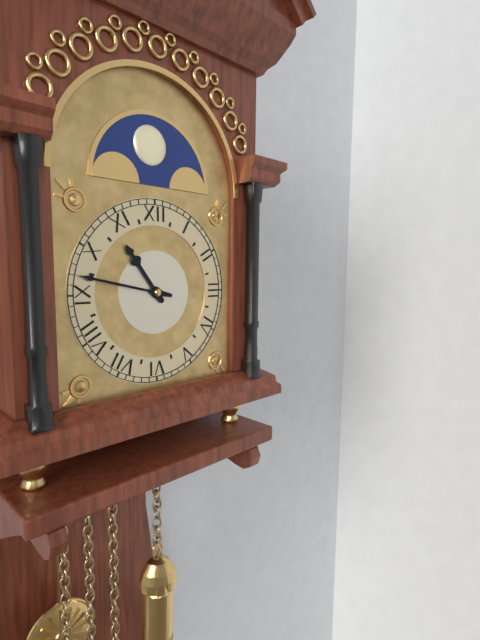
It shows **10:47**
